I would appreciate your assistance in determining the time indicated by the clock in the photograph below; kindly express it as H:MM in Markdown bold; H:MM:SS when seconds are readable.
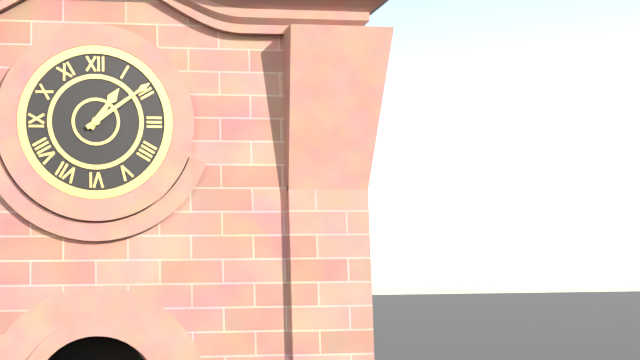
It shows **1:09**
